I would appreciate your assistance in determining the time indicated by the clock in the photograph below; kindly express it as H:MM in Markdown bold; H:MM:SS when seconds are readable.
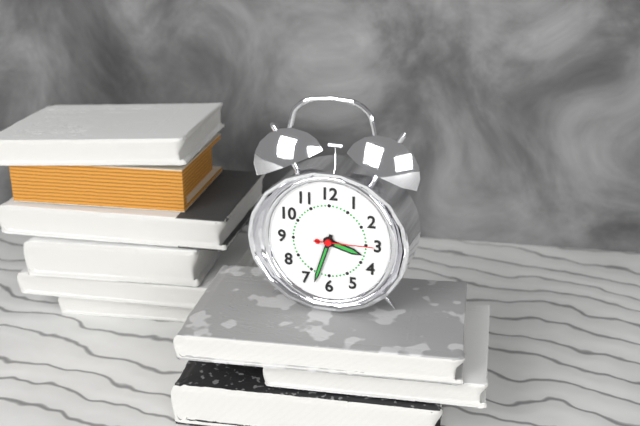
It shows **3:33:15**
